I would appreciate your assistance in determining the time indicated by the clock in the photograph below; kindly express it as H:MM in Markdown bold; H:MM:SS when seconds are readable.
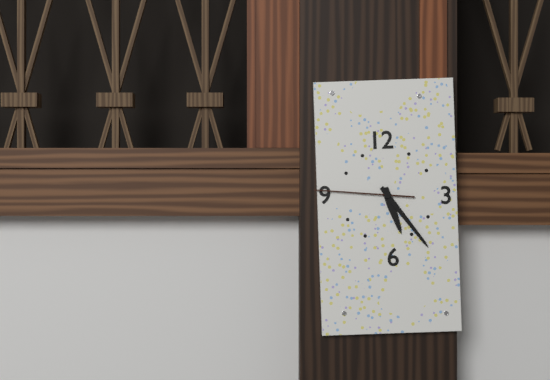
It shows **5:24:46**
